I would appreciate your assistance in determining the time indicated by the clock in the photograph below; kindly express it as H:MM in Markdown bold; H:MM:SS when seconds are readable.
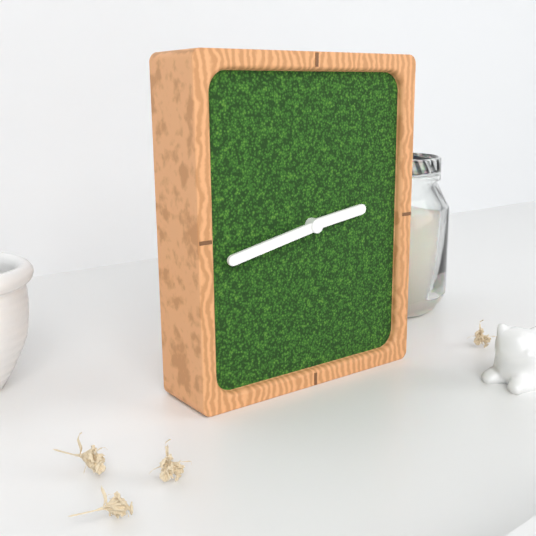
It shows **2:43**
